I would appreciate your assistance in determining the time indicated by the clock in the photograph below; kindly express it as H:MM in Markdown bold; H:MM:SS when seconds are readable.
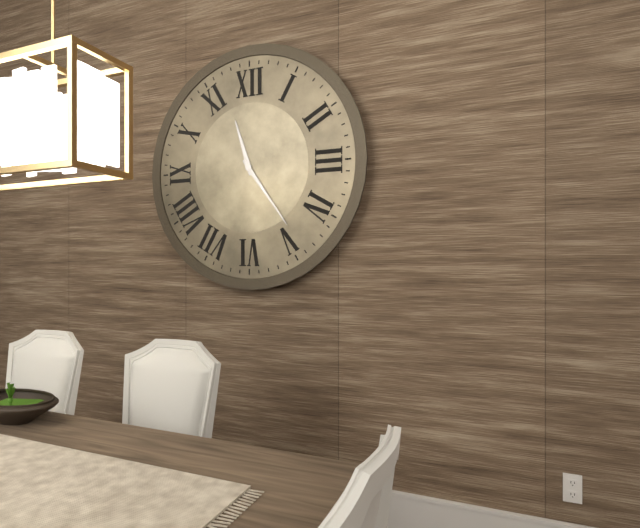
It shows **11:24**
